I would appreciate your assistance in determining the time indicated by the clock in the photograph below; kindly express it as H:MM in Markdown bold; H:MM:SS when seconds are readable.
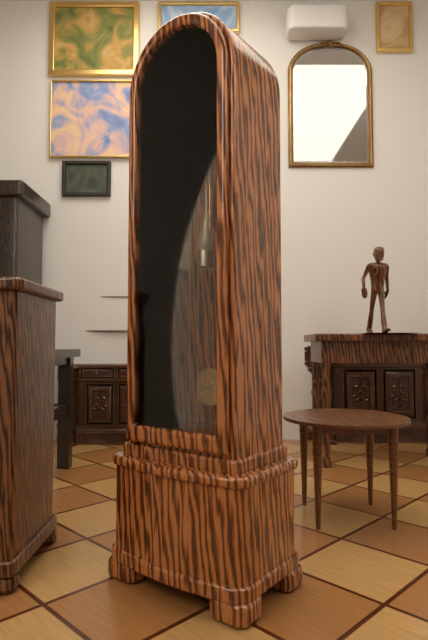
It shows **12:09**
